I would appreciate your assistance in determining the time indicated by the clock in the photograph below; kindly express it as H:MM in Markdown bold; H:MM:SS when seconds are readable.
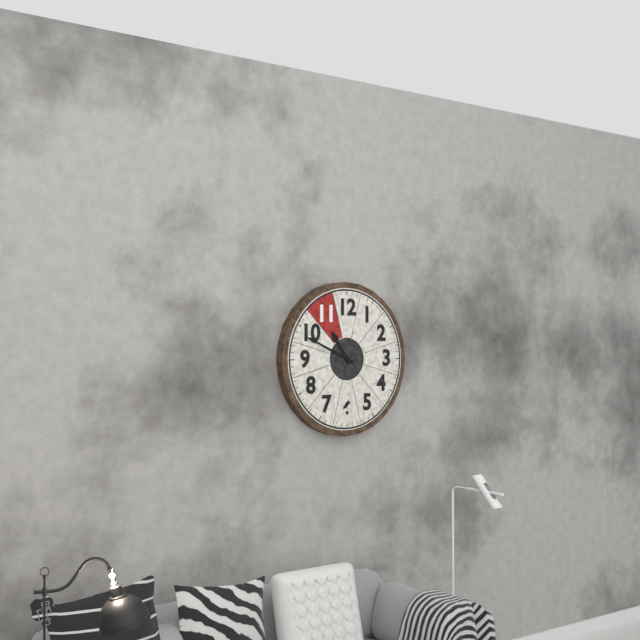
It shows **10:49**
